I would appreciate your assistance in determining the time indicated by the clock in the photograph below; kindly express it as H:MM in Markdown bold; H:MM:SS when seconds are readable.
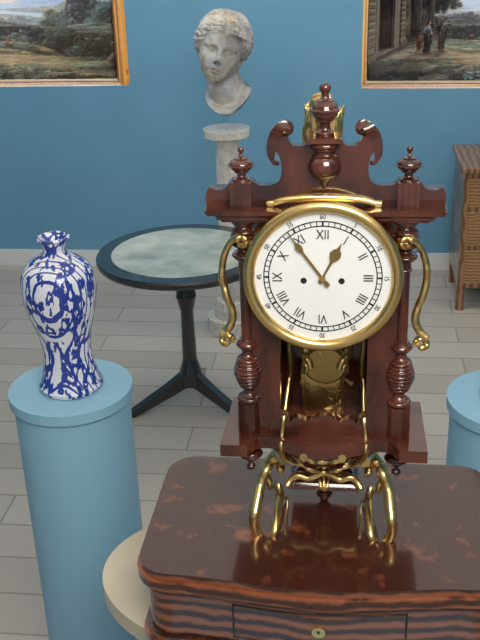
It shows **12:54**
